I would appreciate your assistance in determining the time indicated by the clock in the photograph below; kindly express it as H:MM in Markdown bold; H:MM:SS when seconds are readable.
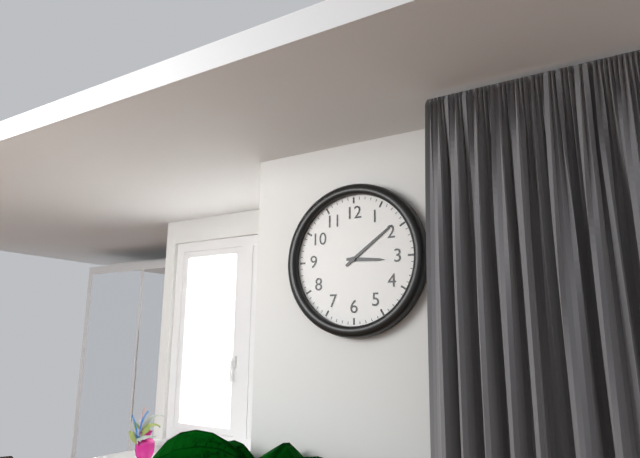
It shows **3:09**
